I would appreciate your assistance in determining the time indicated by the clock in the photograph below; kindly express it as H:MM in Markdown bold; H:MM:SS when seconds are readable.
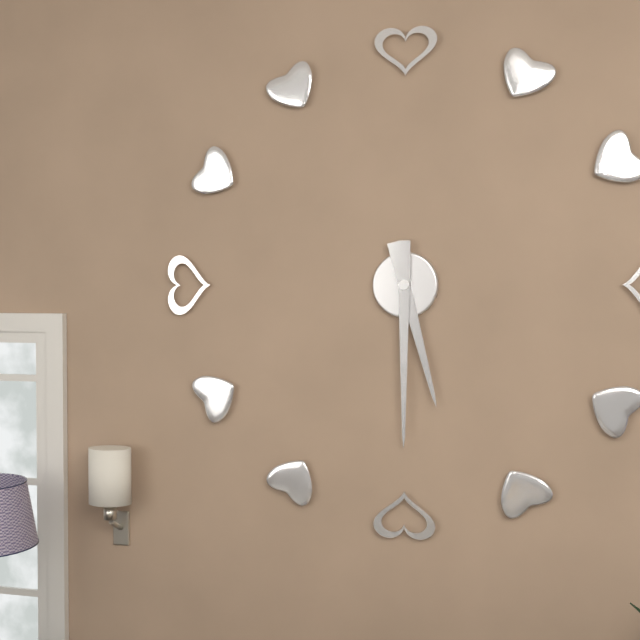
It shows **5:30**
